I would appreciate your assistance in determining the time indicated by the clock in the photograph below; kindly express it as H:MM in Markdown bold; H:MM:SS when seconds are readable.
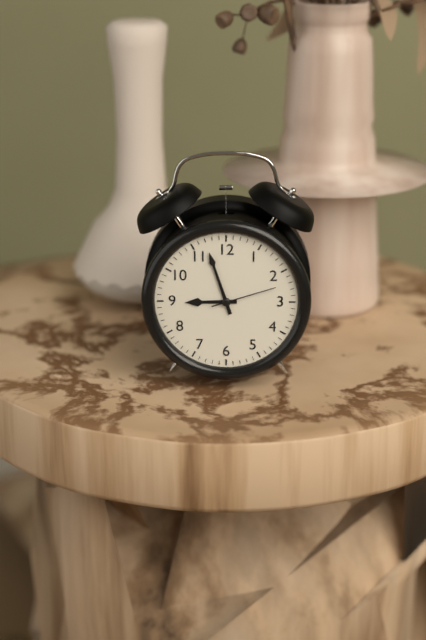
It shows **8:57:12**
